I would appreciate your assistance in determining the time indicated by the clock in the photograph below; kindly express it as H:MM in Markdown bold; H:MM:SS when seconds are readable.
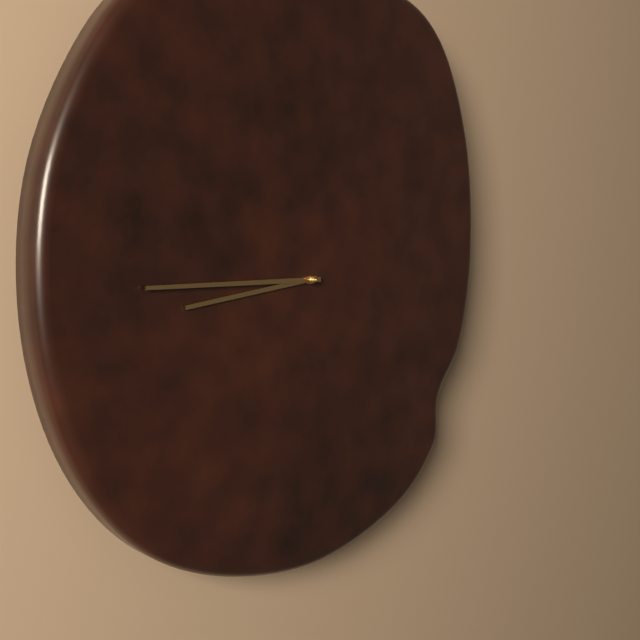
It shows **8:45**
